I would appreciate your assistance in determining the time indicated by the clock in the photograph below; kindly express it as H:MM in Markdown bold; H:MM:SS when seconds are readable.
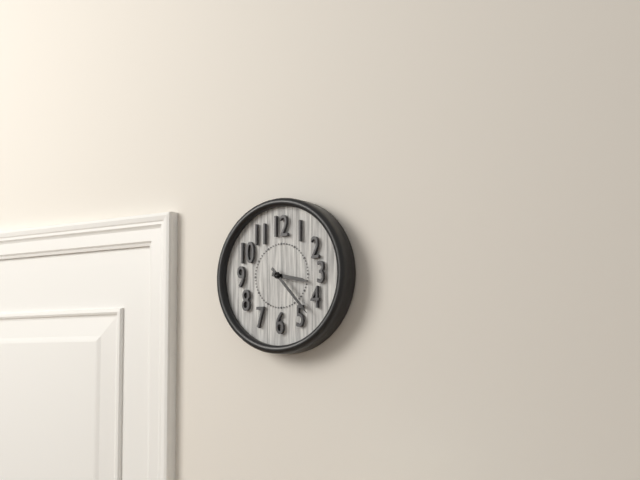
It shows **3:23**
